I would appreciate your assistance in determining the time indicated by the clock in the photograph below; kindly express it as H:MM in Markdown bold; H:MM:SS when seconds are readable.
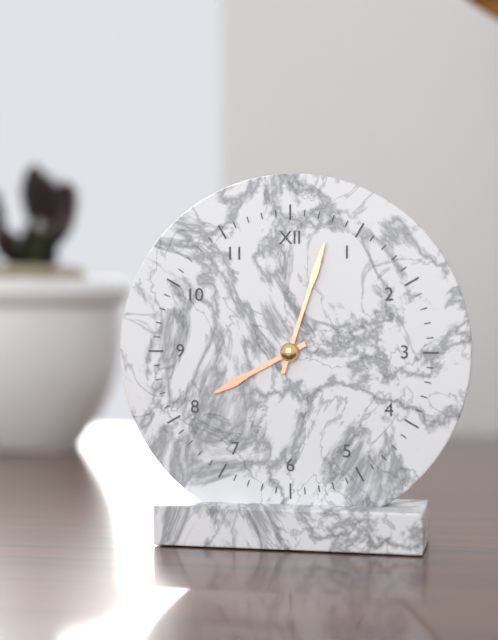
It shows **8:03**
